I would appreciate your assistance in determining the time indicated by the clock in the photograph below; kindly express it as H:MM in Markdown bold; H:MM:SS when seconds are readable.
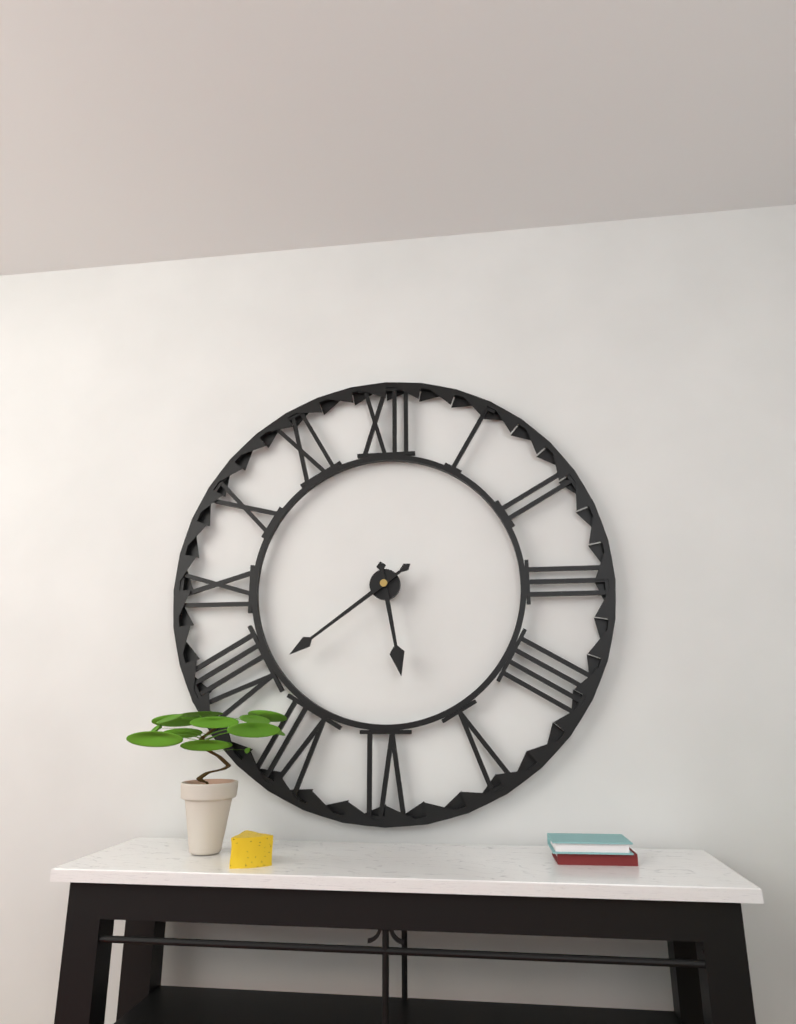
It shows **5:39**
